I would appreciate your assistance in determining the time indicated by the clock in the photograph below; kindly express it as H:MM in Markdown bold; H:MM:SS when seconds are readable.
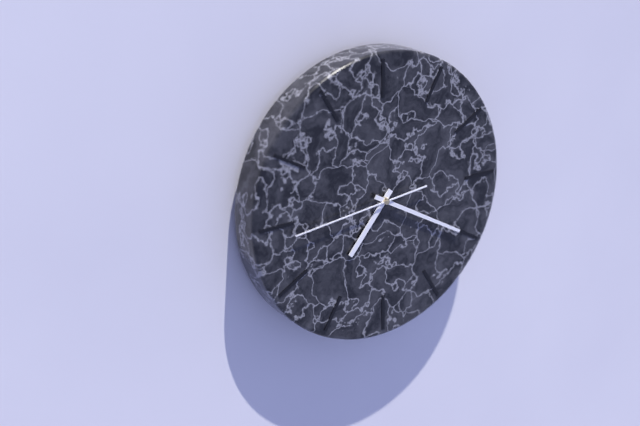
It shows **7:20:44**
